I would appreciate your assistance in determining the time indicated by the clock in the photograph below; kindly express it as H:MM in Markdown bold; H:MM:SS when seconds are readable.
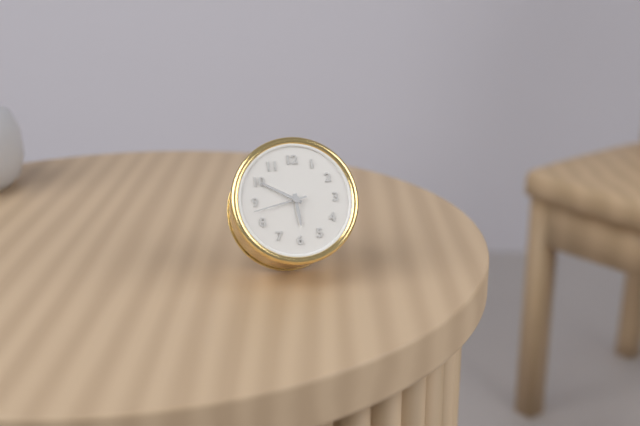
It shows **5:50:43**
